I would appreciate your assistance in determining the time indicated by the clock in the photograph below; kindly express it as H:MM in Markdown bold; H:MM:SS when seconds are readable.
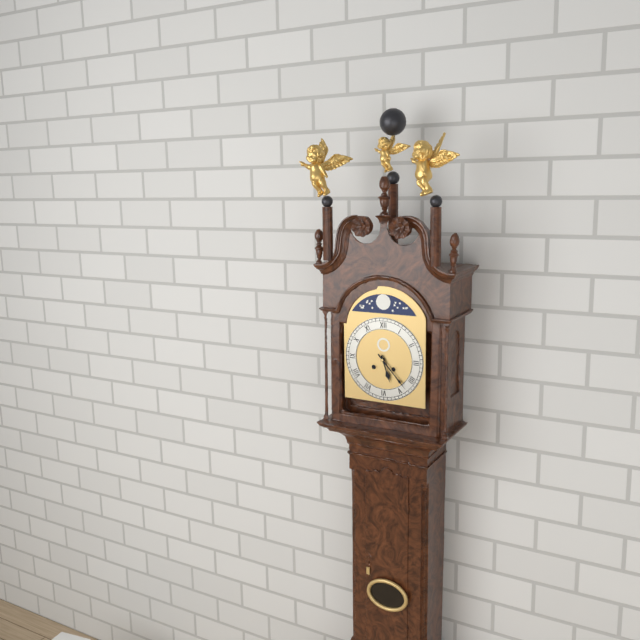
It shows **5:23**
